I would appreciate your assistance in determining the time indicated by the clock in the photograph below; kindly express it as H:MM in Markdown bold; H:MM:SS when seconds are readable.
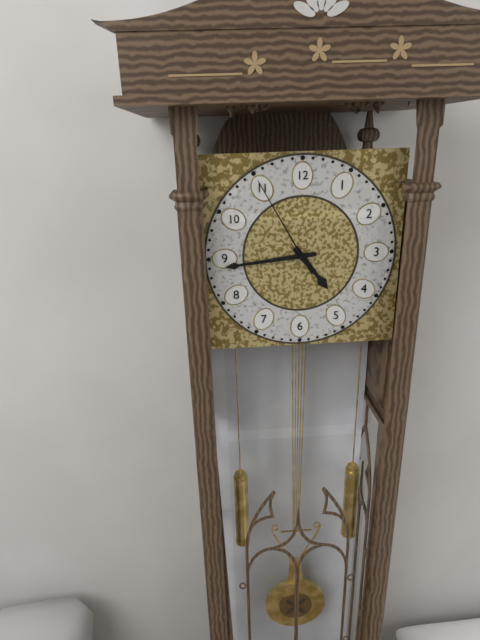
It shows **4:44:55**
